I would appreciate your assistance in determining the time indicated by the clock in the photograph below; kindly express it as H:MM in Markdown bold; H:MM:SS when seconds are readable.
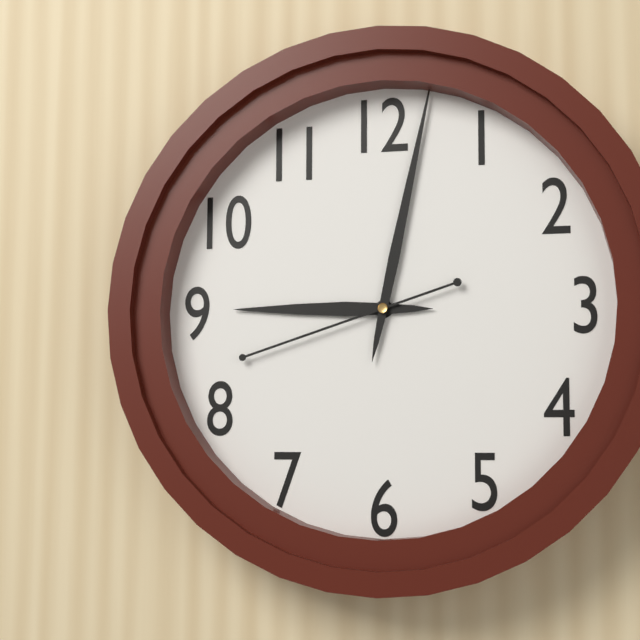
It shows **9:02:42**
